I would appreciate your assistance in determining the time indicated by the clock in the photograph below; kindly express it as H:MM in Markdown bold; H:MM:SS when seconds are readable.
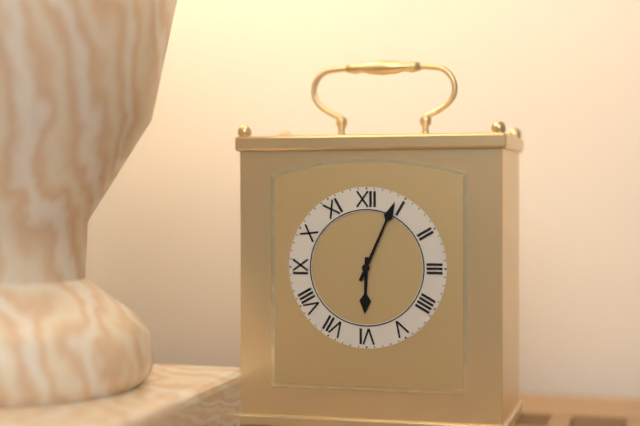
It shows **6:04**
